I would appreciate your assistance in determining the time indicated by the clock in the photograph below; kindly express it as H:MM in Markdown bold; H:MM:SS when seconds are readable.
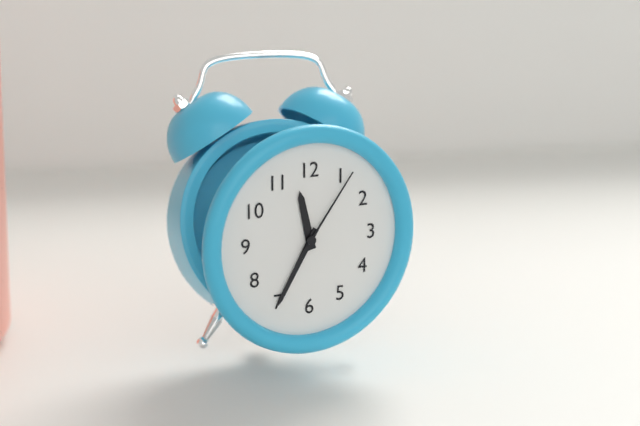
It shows **11:35:06**
